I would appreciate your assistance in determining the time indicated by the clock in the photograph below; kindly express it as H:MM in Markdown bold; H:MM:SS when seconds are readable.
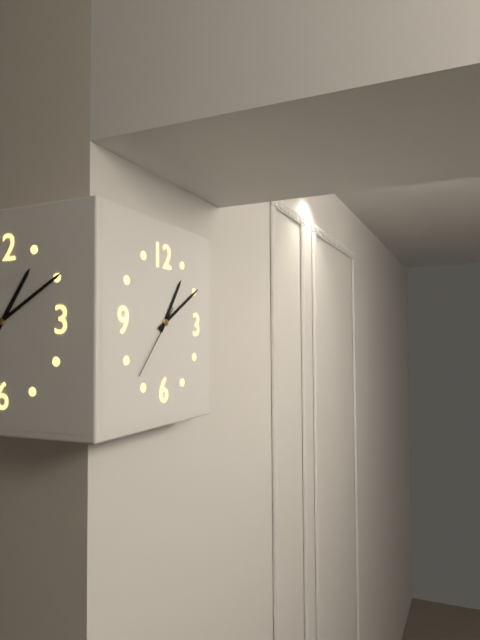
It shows **1:10:37**
